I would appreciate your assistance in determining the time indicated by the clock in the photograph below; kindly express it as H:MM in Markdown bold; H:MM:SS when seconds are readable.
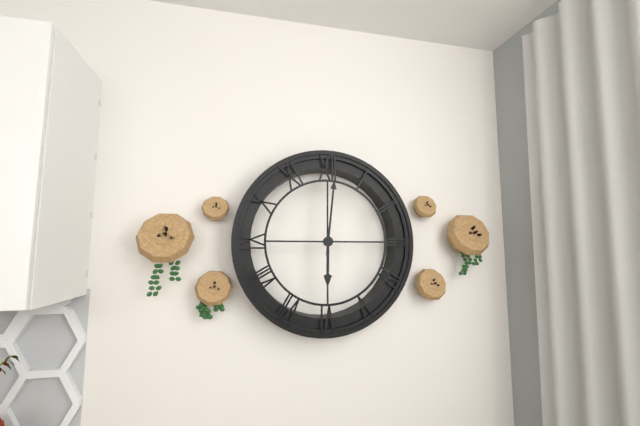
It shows **6:01**
